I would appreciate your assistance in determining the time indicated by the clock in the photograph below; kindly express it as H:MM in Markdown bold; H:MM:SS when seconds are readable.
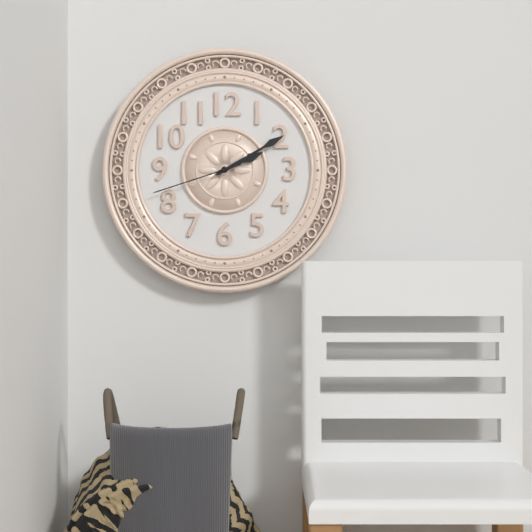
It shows **2:10:42**
